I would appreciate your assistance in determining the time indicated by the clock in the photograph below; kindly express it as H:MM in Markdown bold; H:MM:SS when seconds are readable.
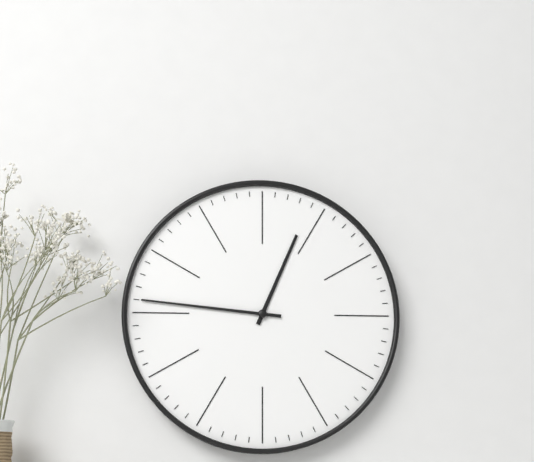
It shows **12:46**
